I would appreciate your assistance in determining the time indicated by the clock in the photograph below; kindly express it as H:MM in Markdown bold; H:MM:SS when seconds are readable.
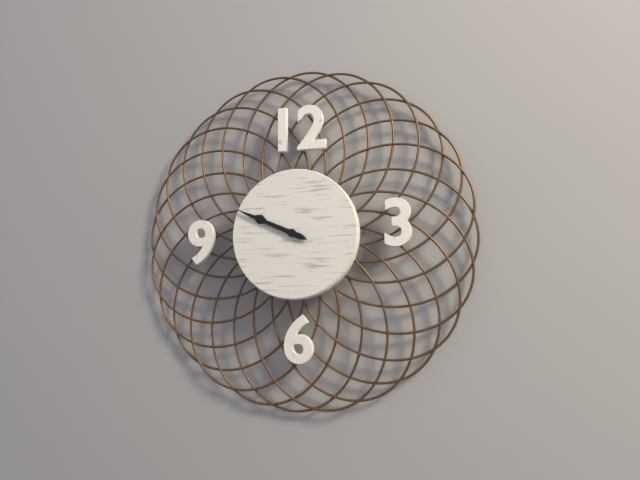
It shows **9:49**
